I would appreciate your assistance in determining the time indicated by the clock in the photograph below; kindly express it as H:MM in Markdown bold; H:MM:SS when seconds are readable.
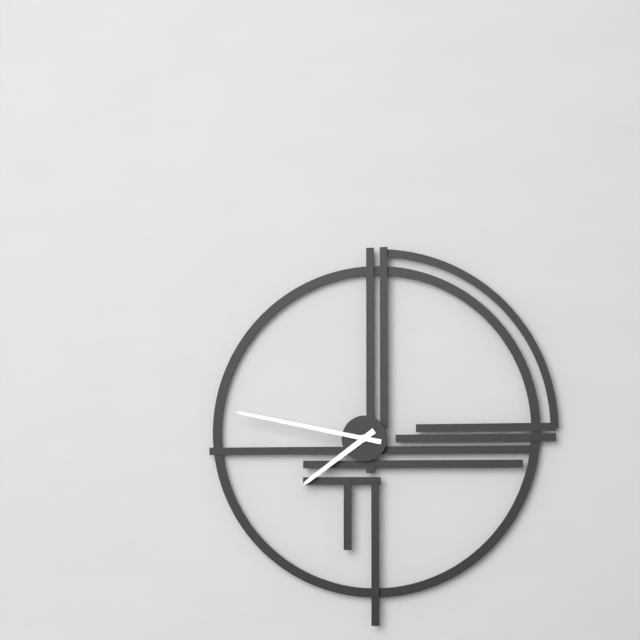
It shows **7:47**
